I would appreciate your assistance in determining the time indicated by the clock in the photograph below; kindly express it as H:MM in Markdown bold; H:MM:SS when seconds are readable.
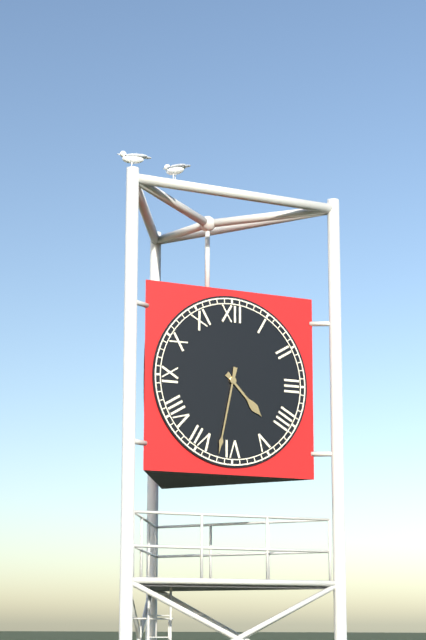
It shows **4:32**
